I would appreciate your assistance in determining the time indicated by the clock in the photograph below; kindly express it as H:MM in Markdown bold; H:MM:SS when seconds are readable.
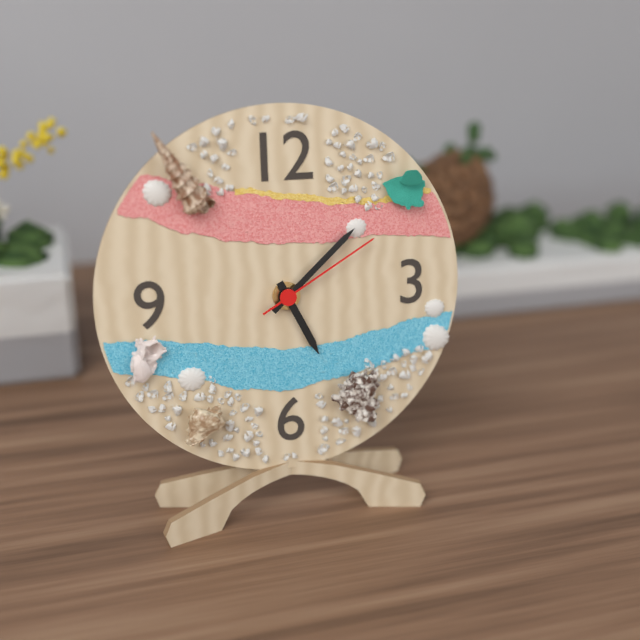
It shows **5:08:10**
